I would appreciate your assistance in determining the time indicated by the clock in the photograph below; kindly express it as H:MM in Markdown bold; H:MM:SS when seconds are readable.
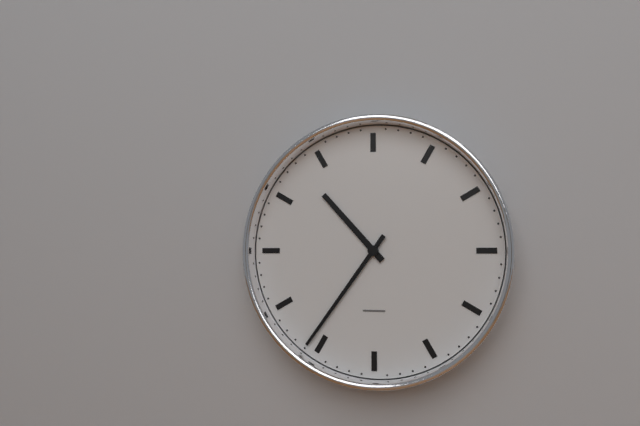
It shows **10:36**
